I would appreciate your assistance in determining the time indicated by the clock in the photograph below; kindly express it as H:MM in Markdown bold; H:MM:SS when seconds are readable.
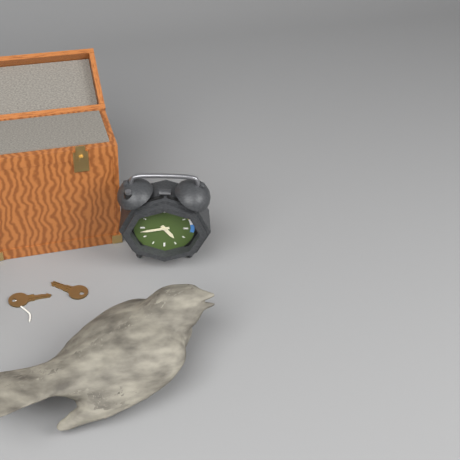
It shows **4:43**
